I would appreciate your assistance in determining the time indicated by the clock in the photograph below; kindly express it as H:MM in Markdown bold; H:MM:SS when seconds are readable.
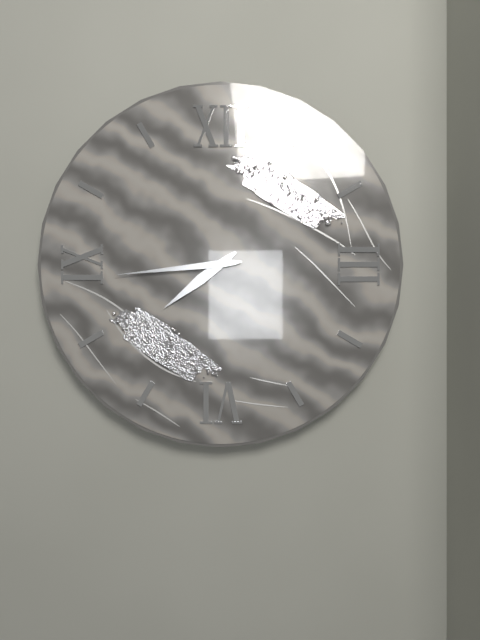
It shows **7:44**
